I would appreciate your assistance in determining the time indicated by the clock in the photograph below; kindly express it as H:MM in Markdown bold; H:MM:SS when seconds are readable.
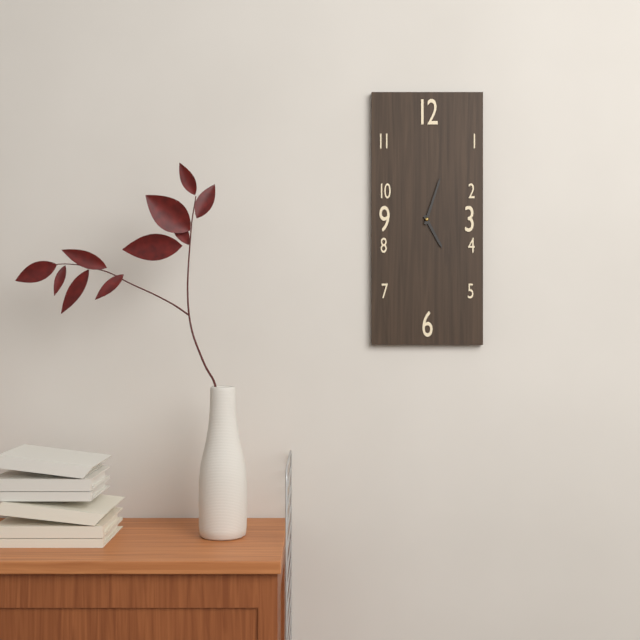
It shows **5:03**
